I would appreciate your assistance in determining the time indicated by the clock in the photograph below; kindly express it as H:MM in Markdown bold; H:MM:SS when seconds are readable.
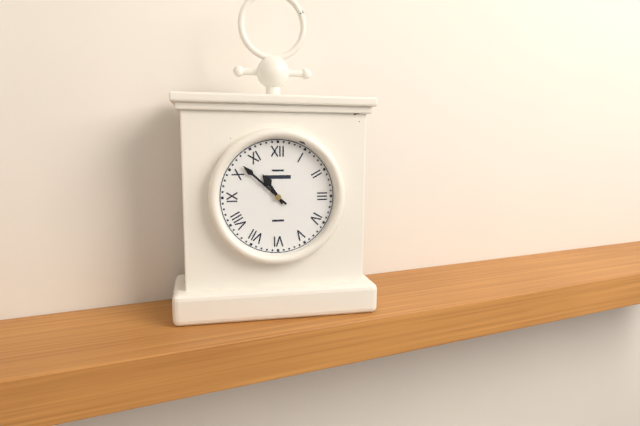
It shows **10:52**
